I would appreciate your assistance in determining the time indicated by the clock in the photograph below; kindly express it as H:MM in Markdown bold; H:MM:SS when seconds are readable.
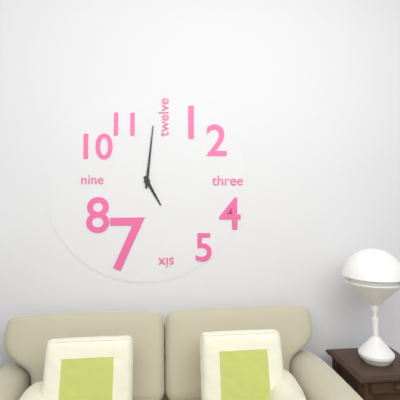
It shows **5:01**
